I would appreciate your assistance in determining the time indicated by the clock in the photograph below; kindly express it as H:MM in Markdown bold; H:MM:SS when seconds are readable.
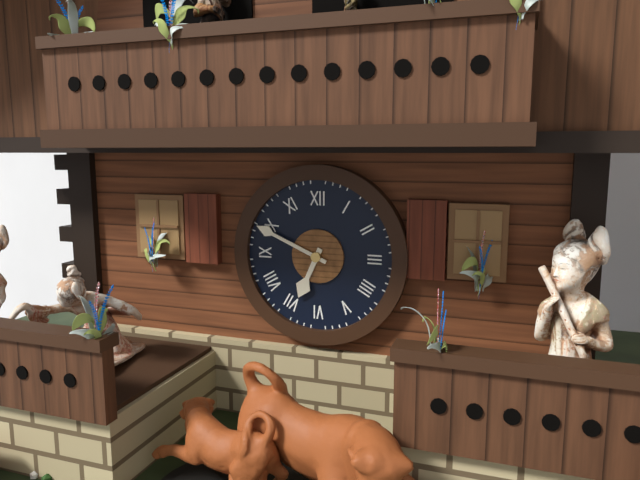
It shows **6:49**
